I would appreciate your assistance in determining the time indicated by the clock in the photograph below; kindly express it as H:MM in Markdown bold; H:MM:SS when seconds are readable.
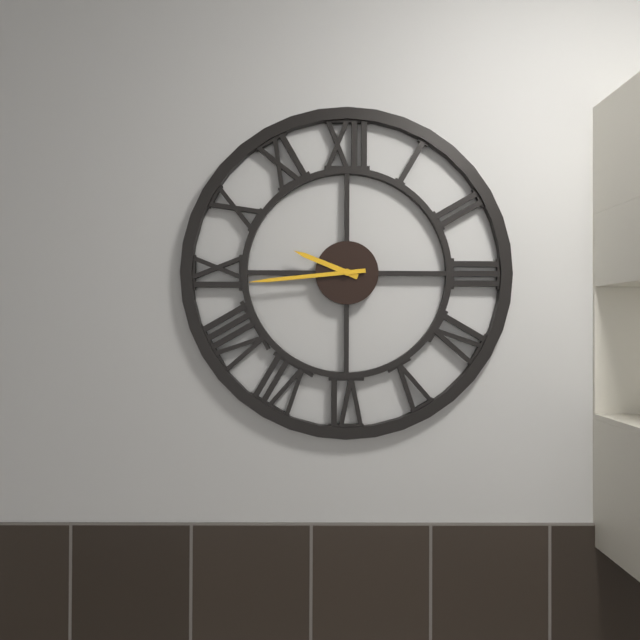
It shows **9:44**
